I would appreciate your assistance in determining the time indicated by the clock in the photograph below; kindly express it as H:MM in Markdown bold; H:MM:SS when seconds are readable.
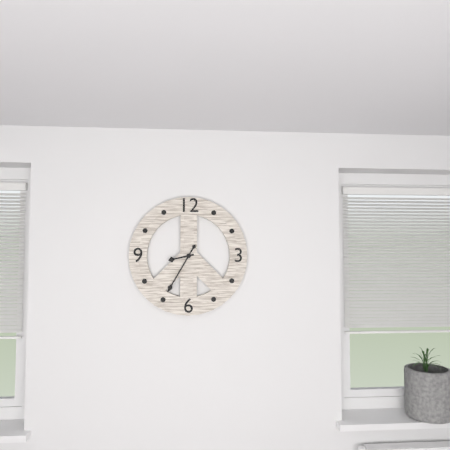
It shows **8:35**
